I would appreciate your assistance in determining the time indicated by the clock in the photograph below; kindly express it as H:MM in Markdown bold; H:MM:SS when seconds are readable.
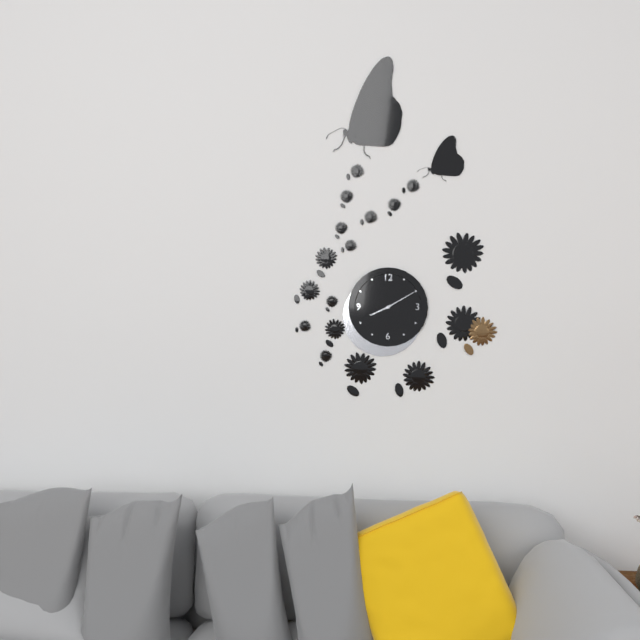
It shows **8:10**
